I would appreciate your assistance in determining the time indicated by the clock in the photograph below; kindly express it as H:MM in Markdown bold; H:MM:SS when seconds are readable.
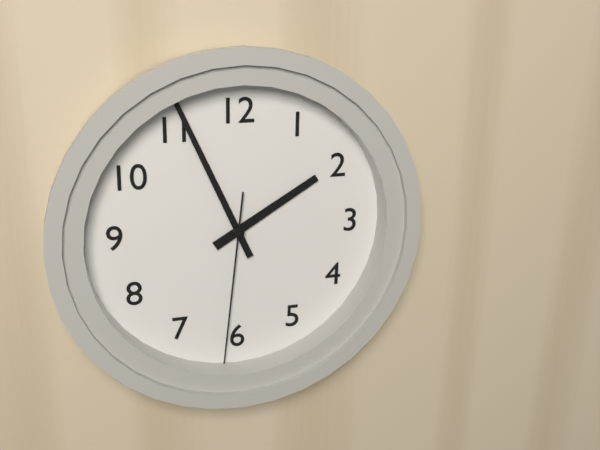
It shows **1:56:31**
